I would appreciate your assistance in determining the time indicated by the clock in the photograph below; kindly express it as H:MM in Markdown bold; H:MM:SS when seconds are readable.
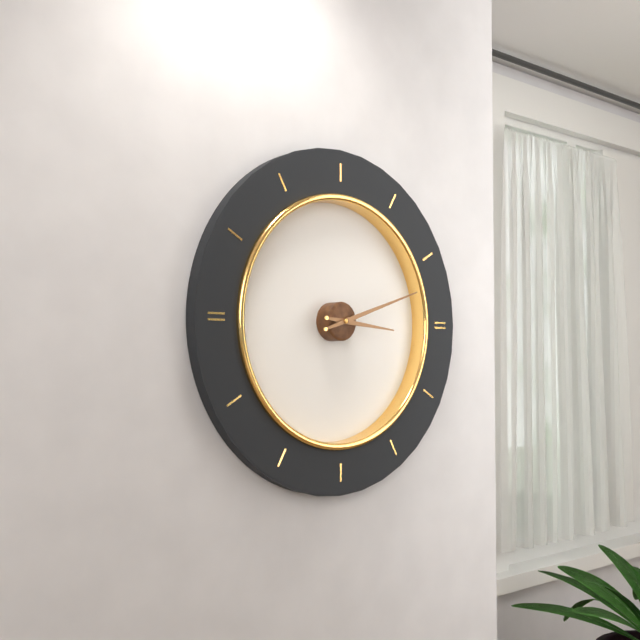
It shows **3:12**
